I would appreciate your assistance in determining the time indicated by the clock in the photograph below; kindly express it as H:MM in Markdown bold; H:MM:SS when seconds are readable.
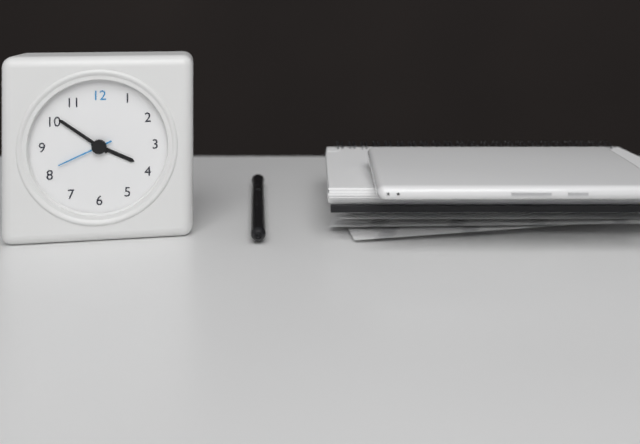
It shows **3:51:41**
